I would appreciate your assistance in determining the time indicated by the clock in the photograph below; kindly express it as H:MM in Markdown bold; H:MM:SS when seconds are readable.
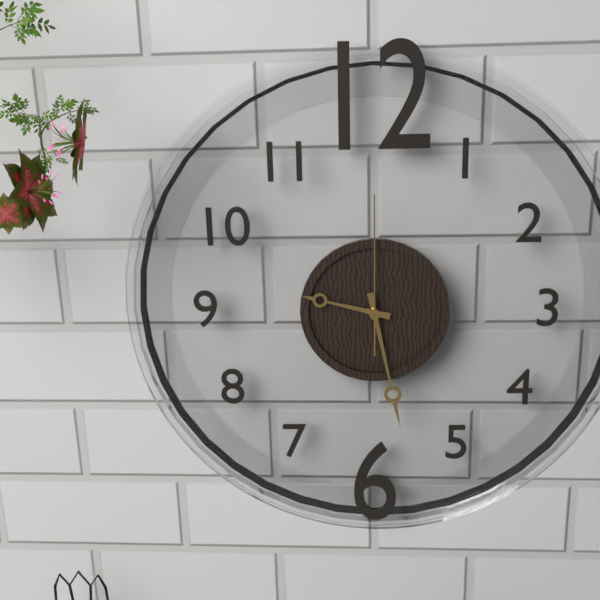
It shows **9:28:00**
